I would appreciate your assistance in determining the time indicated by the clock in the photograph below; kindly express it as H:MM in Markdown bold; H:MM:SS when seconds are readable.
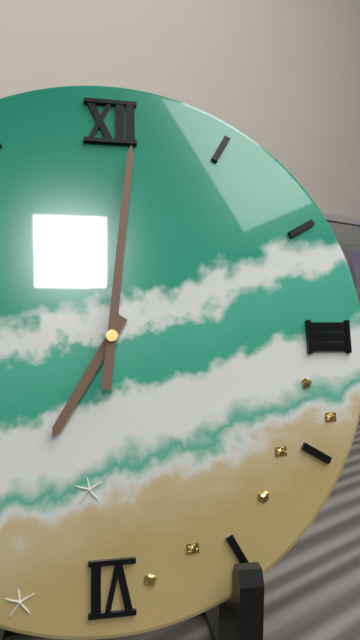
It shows **7:01**
